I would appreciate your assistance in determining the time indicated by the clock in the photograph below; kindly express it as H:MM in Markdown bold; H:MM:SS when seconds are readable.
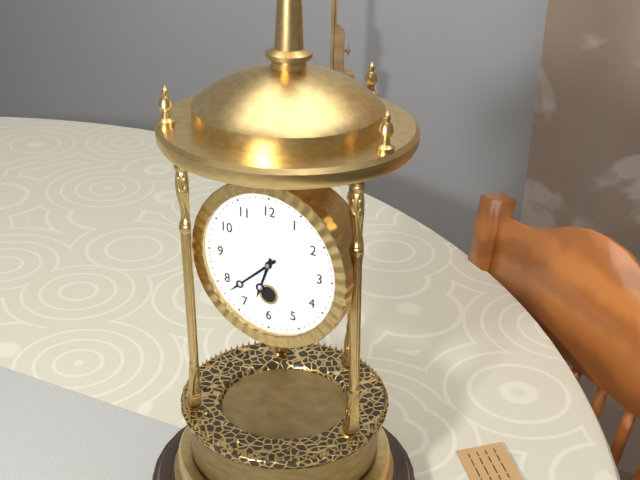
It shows **6:38**
